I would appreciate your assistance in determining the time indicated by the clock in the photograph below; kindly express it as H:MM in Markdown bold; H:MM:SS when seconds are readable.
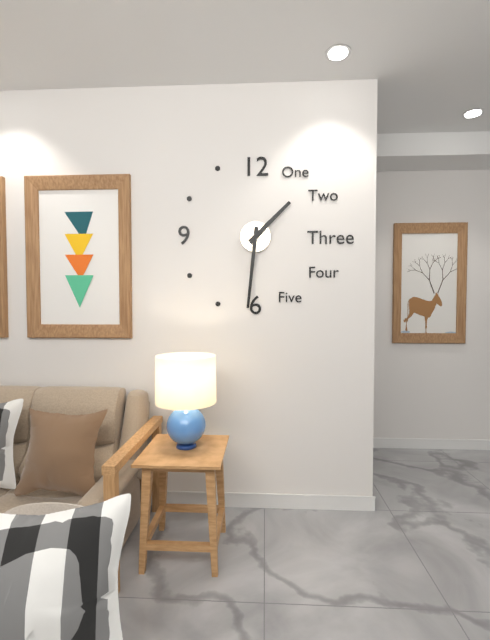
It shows **1:31**
